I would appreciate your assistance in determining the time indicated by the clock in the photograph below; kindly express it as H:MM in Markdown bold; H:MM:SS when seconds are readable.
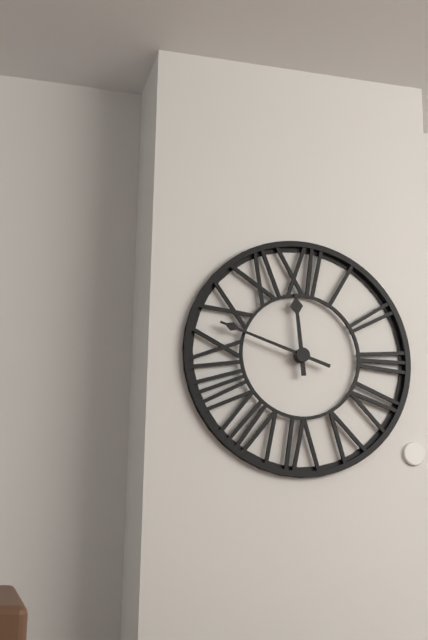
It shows **11:48**
